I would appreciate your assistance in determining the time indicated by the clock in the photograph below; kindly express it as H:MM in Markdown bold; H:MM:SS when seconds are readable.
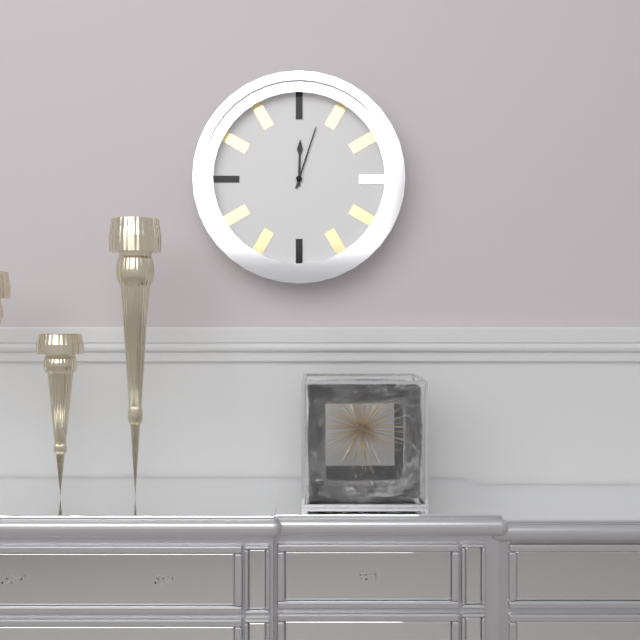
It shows **12:03**
